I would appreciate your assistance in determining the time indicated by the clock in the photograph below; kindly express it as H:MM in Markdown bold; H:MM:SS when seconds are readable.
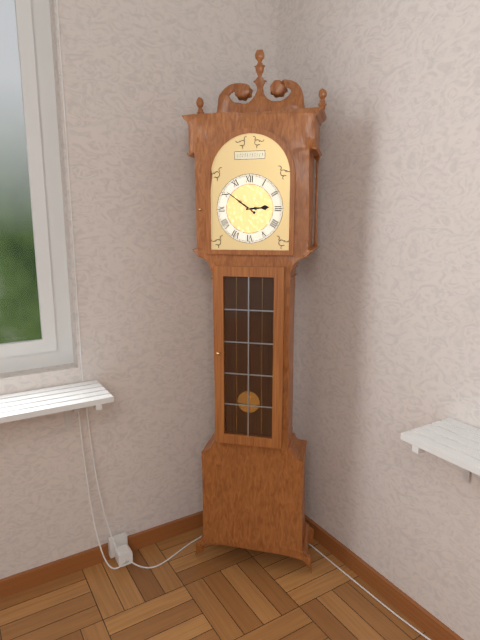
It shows **2:51**
